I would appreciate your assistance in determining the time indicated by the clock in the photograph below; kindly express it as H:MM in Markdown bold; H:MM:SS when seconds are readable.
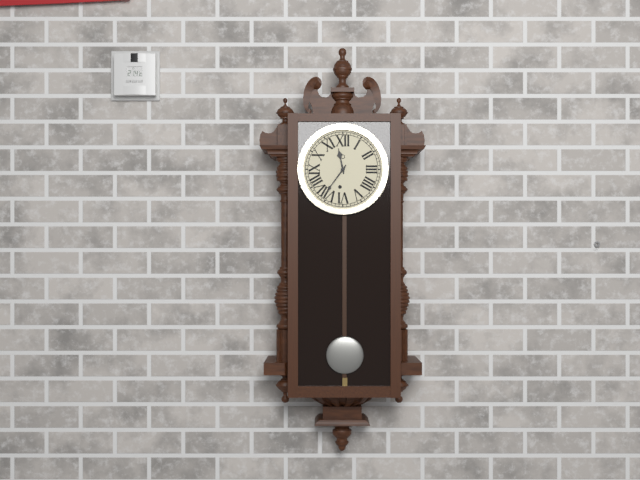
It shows **11:36**
